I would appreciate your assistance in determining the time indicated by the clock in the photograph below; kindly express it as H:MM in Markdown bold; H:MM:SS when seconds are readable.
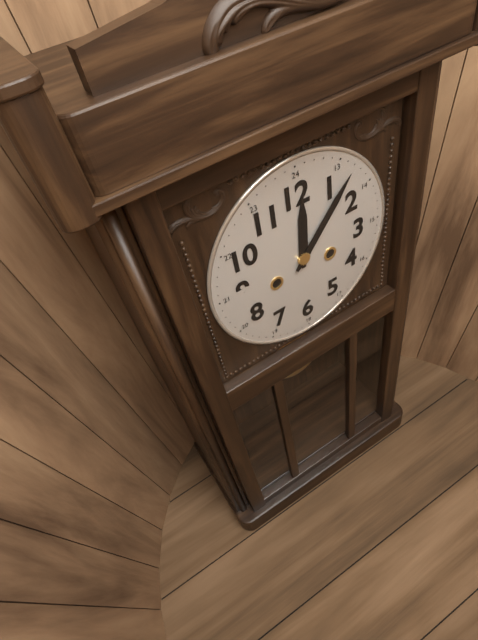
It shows **12:07**
